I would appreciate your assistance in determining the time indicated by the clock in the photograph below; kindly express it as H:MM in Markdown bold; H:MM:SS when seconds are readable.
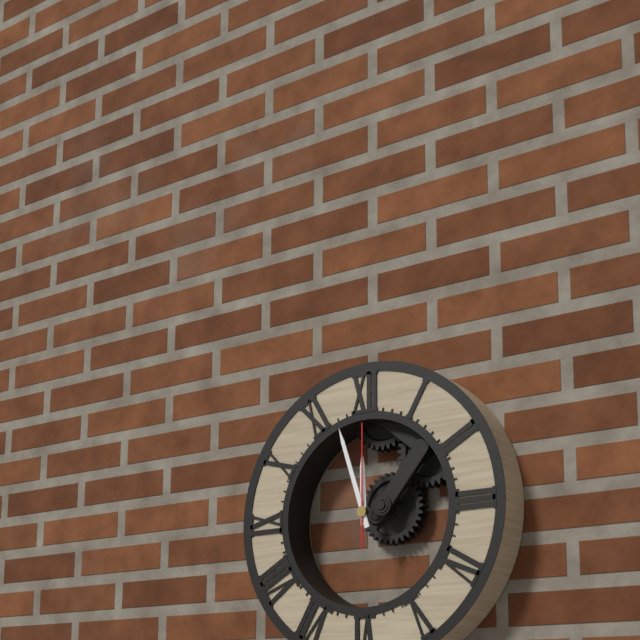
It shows **11:57:00**
